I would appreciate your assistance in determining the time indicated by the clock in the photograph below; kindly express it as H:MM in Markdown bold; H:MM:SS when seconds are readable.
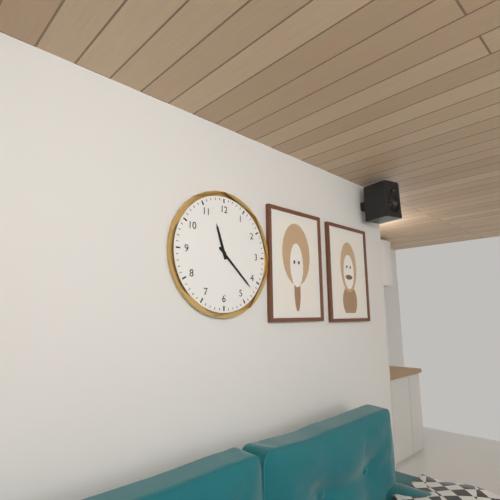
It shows **11:22**
